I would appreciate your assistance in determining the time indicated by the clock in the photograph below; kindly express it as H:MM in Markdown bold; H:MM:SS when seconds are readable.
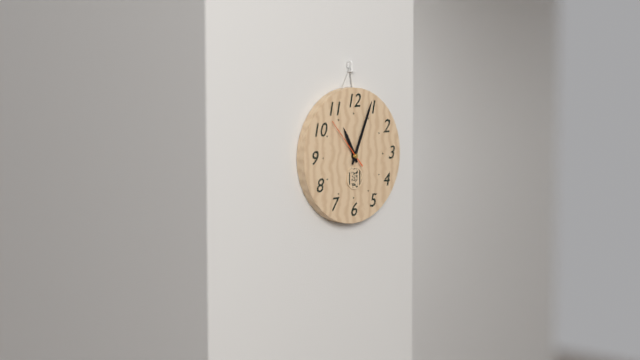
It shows **11:04:53**
